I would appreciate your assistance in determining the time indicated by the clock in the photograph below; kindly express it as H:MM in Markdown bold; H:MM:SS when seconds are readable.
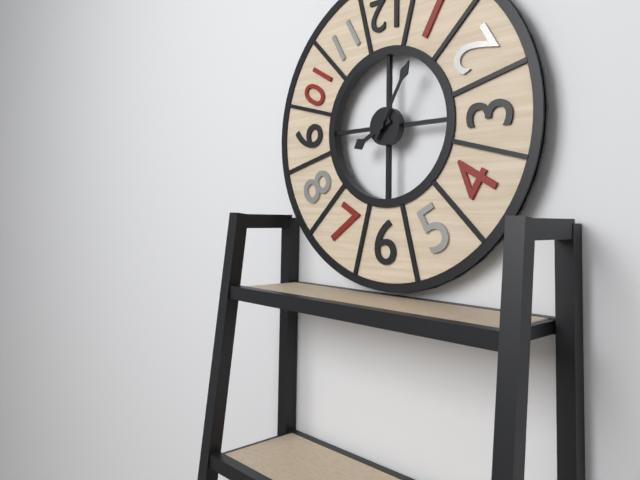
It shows **8:05**
